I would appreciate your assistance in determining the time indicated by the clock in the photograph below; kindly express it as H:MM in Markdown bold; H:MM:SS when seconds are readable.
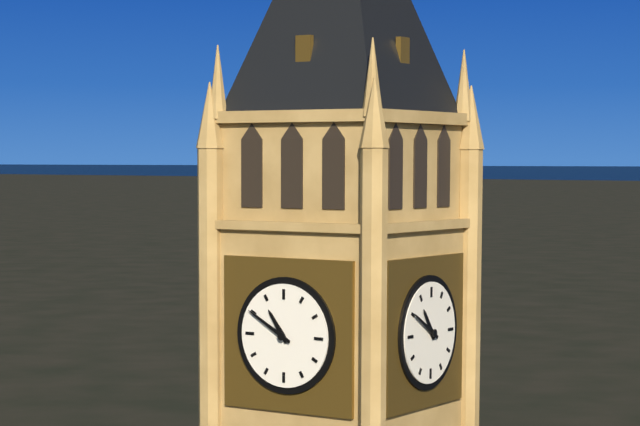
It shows **10:50**
